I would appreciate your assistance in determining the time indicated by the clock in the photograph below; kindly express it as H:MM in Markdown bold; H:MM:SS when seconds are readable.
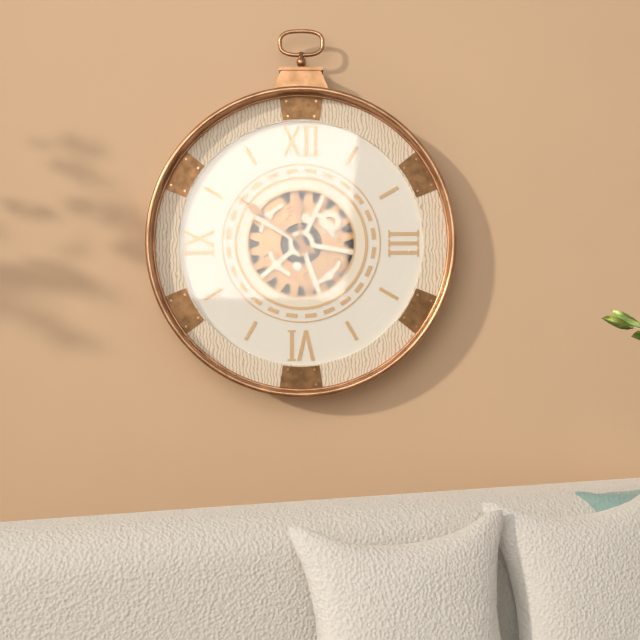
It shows **11:51**
